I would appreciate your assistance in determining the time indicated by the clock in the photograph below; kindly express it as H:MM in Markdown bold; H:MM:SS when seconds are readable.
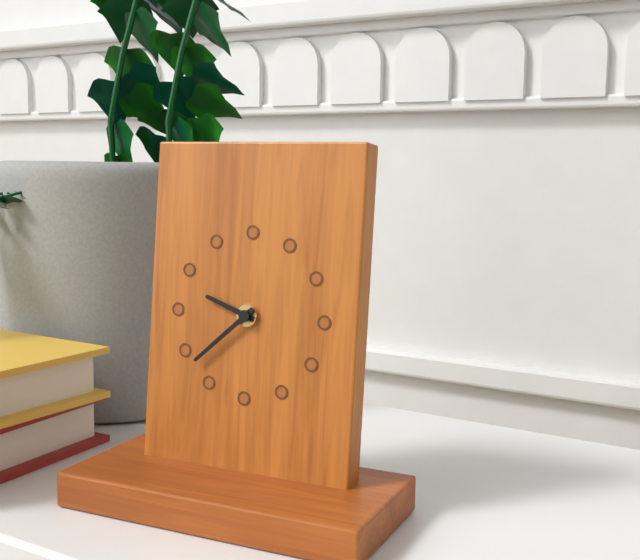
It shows **9:38**
